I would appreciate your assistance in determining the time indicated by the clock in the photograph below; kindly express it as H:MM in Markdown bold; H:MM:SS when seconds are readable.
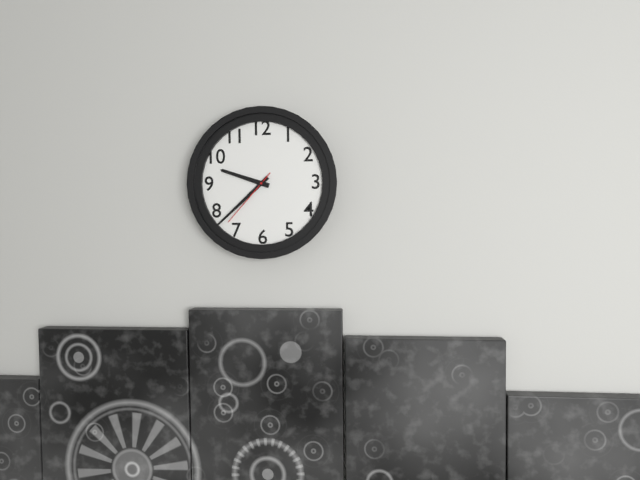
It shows **9:38:37**
